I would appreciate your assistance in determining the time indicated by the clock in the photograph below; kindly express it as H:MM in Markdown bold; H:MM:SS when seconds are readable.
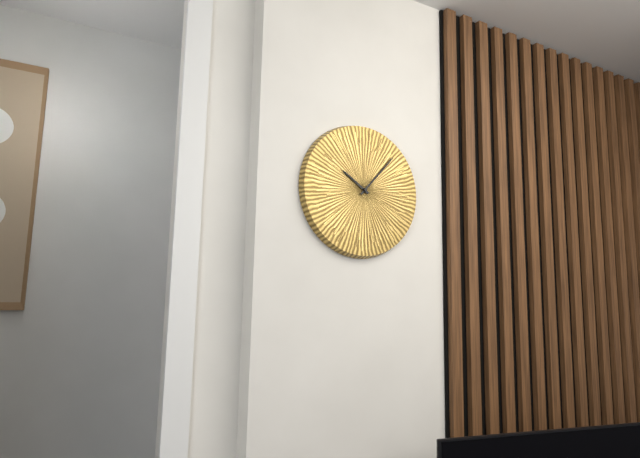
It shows **10:07**
